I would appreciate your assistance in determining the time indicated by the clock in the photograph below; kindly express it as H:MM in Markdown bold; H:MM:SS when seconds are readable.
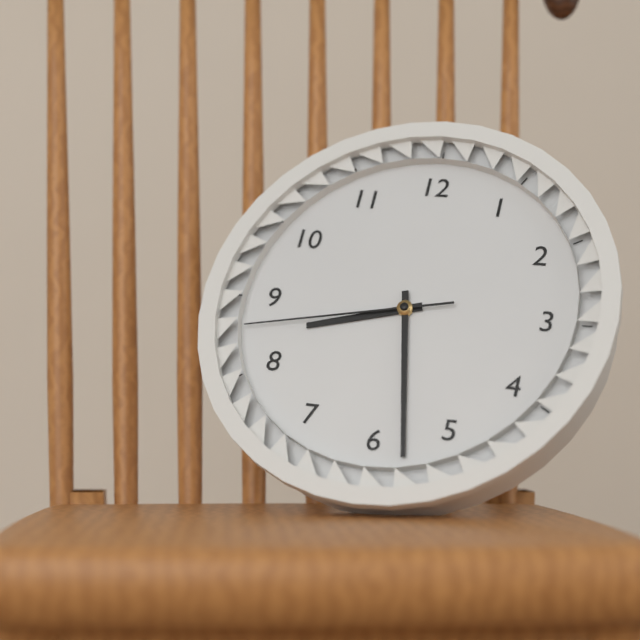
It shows **8:28:43**
